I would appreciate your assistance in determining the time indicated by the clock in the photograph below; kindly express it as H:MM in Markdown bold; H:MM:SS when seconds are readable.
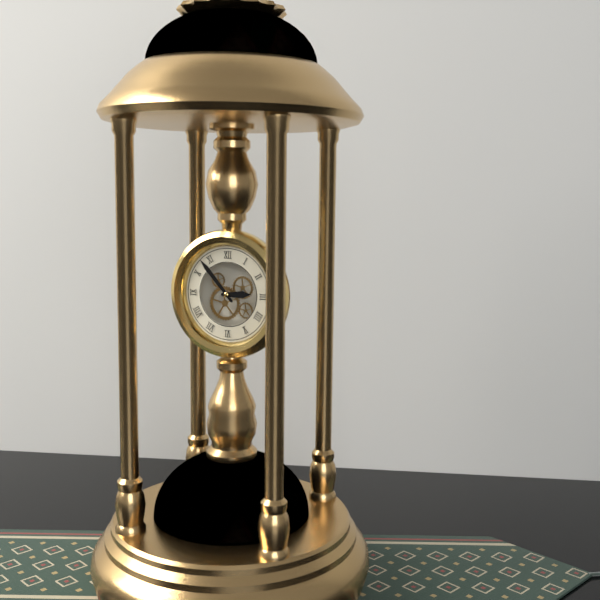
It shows **2:53**
